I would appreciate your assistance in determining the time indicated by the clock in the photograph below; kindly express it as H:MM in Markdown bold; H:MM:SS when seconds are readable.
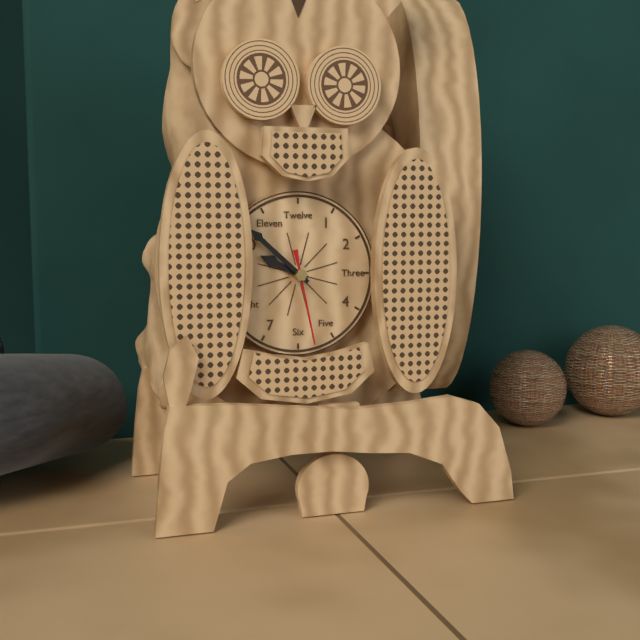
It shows **9:52:28**
